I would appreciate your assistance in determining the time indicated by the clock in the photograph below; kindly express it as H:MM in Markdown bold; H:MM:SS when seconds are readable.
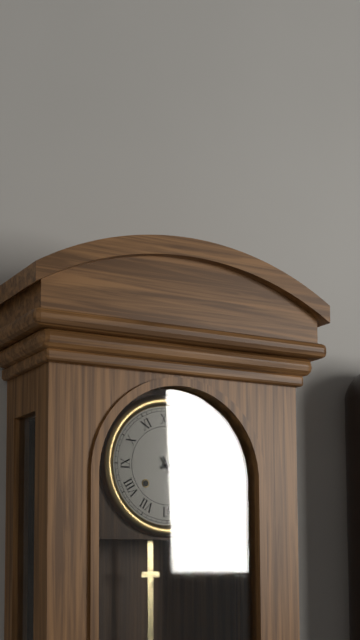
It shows **2:24**
